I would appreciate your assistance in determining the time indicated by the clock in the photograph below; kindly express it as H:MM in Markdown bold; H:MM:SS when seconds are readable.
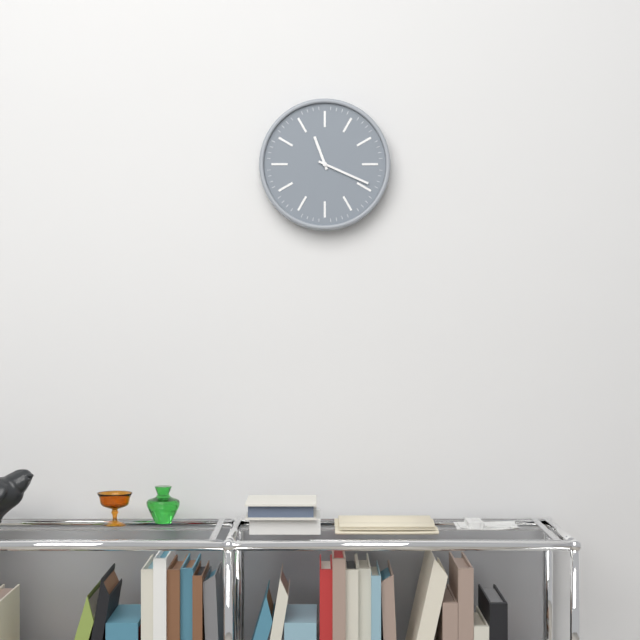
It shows **11:19**
